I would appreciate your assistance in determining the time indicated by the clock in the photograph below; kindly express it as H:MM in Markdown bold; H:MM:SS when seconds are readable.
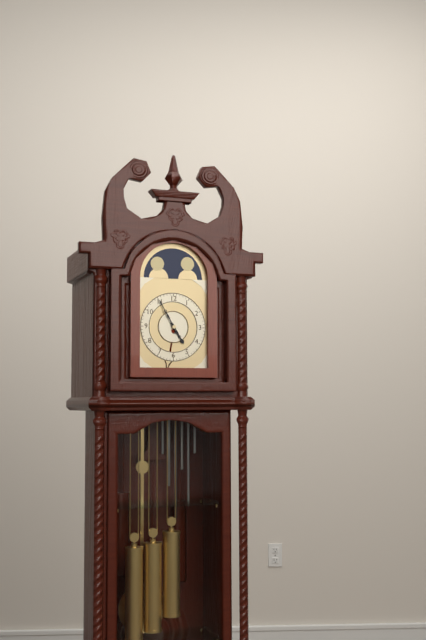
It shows **4:55**
